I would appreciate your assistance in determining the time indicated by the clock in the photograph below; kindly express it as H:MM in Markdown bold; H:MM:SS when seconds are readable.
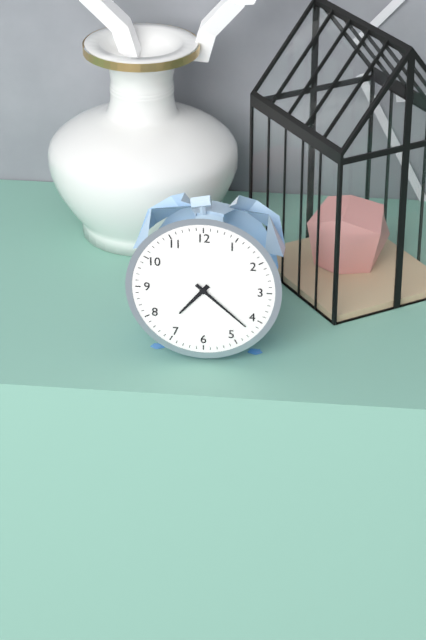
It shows **7:22**
